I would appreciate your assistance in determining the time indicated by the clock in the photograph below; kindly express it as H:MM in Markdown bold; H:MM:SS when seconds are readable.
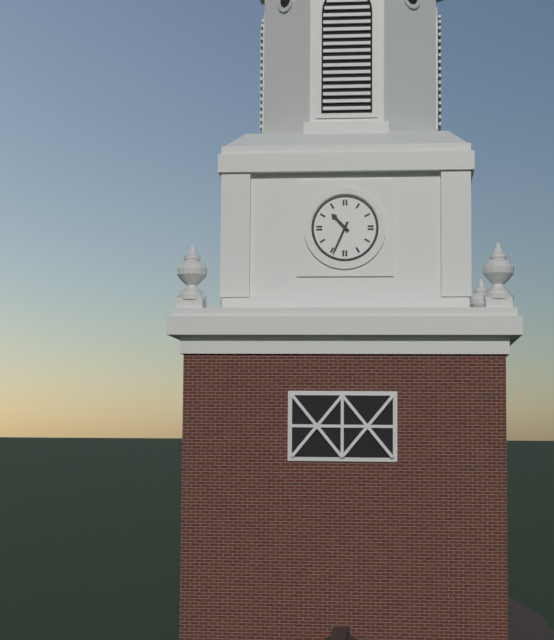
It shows **10:34**
